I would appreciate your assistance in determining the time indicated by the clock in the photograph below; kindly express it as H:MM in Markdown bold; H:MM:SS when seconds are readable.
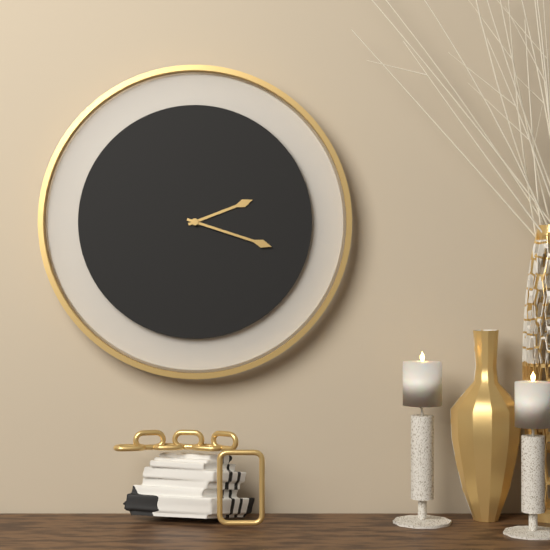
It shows **2:18**
